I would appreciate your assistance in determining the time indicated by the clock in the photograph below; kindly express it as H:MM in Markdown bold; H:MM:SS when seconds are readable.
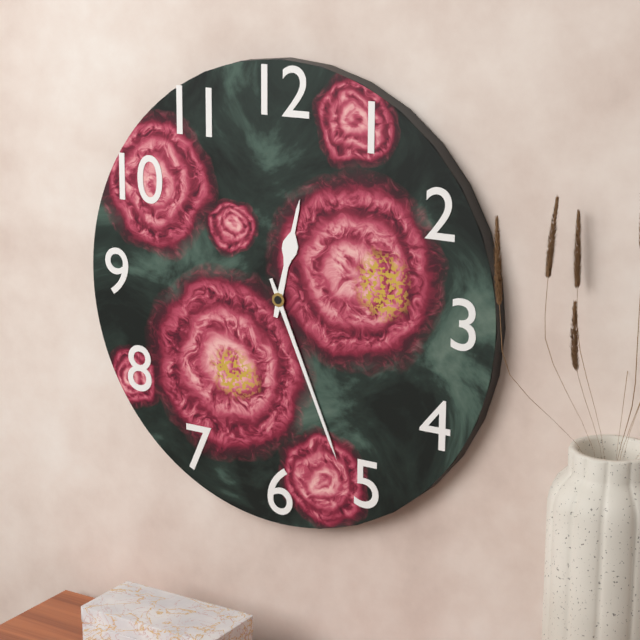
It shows **12:26**
